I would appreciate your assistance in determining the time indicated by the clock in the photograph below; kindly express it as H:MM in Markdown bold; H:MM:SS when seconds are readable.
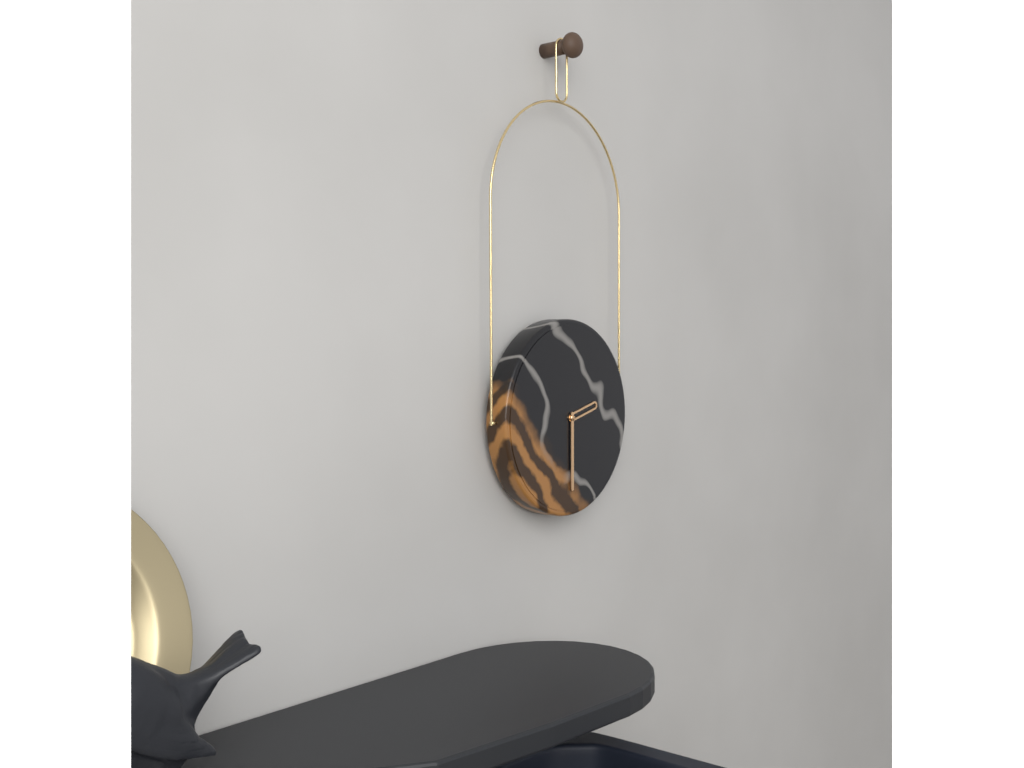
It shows **2:30**
